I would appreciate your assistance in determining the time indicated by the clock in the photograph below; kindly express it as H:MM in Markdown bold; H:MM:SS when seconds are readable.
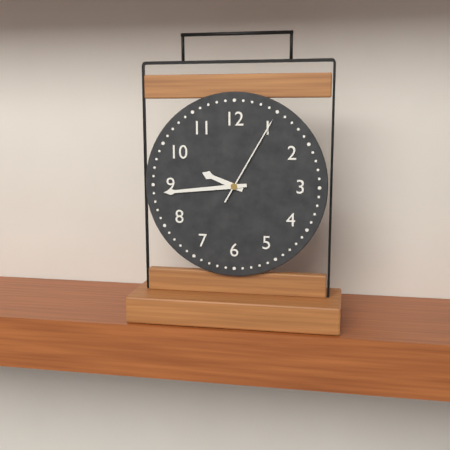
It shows **9:44:05**
